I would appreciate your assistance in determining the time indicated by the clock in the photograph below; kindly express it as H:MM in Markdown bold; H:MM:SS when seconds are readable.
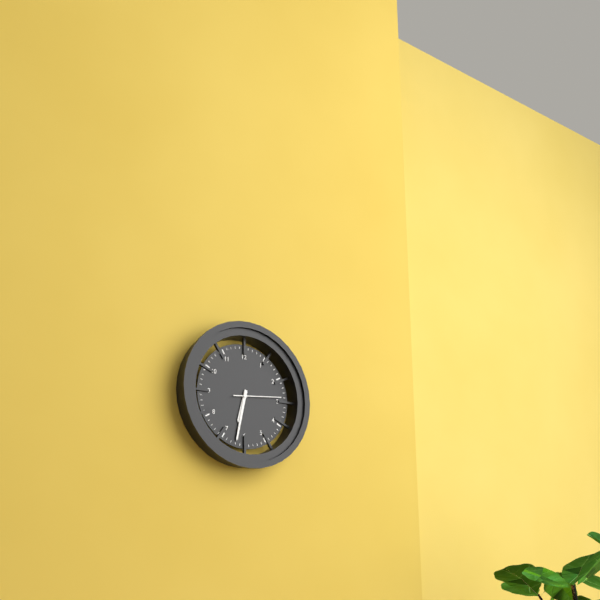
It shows **6:32**
